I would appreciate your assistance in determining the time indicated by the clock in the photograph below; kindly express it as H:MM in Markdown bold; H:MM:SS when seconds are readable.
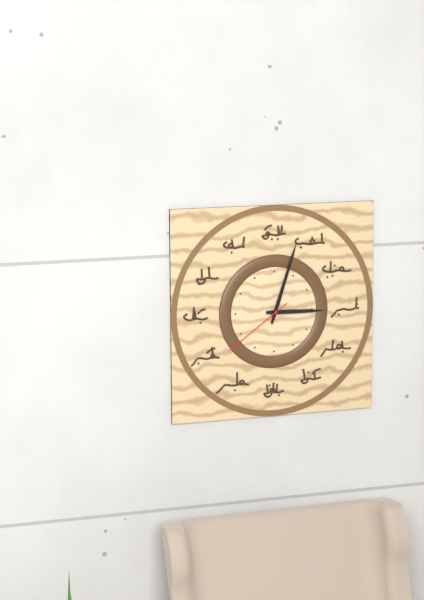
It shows **3:03:39**
